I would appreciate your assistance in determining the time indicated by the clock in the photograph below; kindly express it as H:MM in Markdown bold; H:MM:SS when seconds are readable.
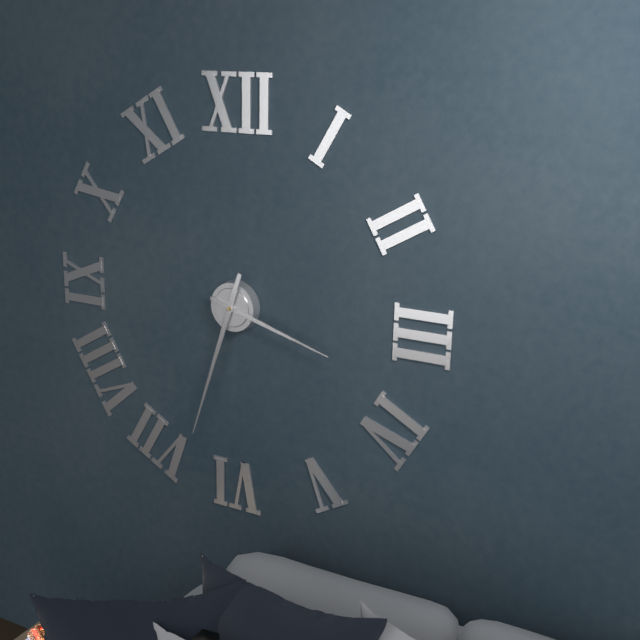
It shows **3:33**
